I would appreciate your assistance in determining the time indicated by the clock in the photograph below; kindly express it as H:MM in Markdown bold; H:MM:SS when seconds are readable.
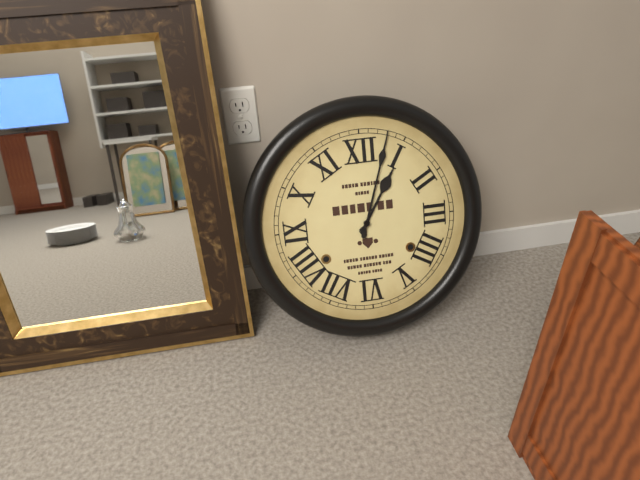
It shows **1:03**
